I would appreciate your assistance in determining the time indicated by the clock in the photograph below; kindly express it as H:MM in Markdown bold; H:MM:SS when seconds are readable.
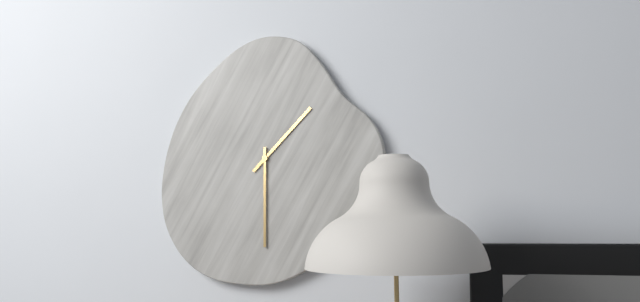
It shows **1:30**
